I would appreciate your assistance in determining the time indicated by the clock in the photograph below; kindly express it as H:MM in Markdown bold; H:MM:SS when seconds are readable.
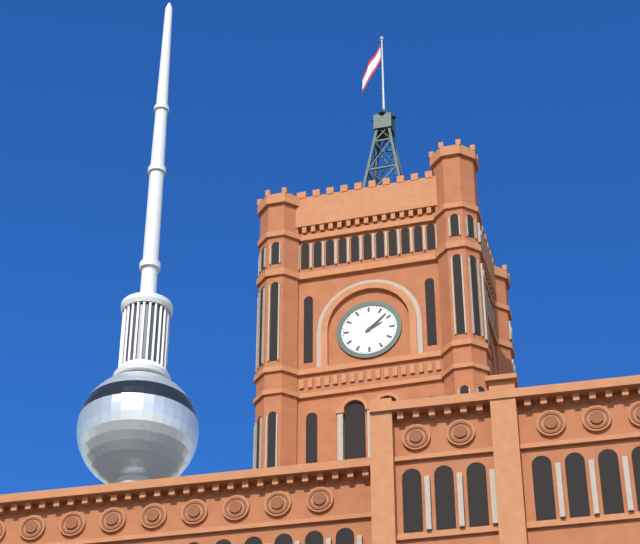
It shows **2:08**
